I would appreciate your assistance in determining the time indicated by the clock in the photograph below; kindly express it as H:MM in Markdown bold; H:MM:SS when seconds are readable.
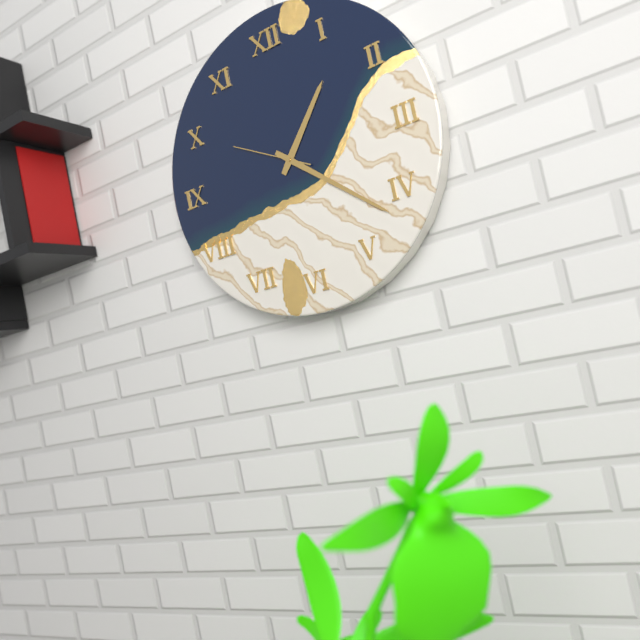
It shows **1:22:50**
